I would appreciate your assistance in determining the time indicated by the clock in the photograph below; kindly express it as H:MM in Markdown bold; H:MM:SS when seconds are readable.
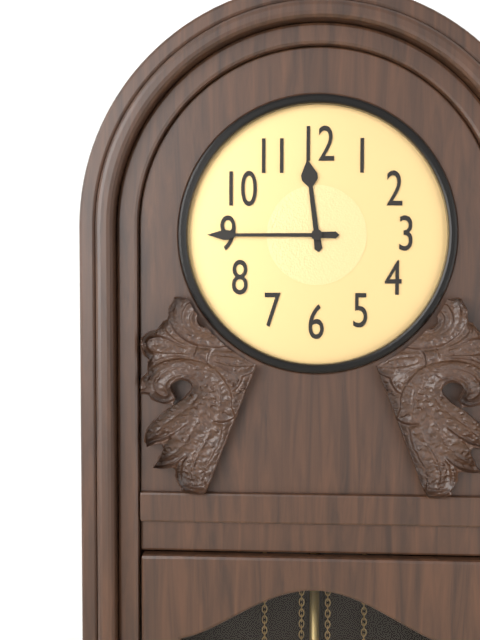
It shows **11:45**
